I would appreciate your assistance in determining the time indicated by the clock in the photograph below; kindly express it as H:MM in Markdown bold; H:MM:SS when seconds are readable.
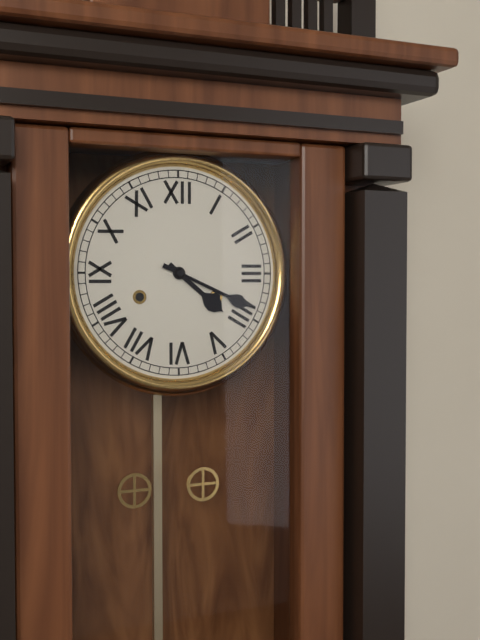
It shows **4:19**
